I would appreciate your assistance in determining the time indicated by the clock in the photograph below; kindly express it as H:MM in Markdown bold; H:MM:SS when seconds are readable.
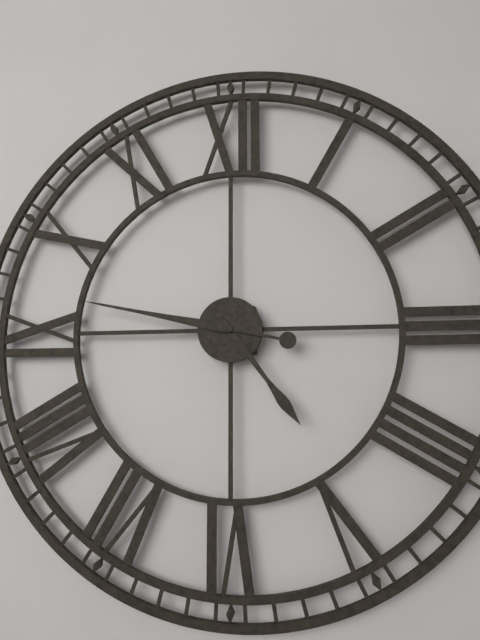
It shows **4:47**
